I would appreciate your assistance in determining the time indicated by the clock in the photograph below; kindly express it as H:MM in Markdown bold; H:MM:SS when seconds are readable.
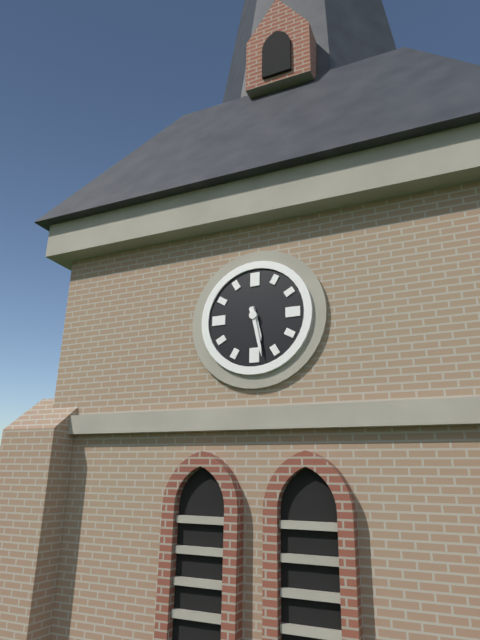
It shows **5:28**
